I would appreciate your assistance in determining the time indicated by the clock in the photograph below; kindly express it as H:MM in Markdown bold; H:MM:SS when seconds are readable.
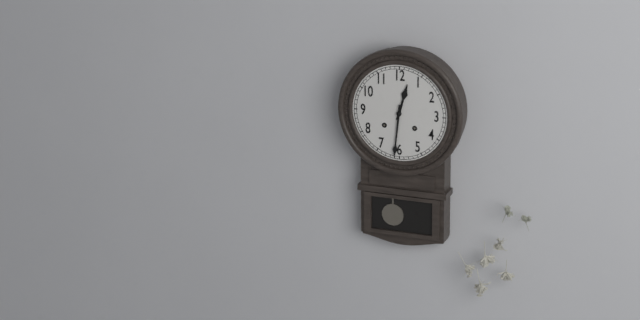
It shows **12:31**
